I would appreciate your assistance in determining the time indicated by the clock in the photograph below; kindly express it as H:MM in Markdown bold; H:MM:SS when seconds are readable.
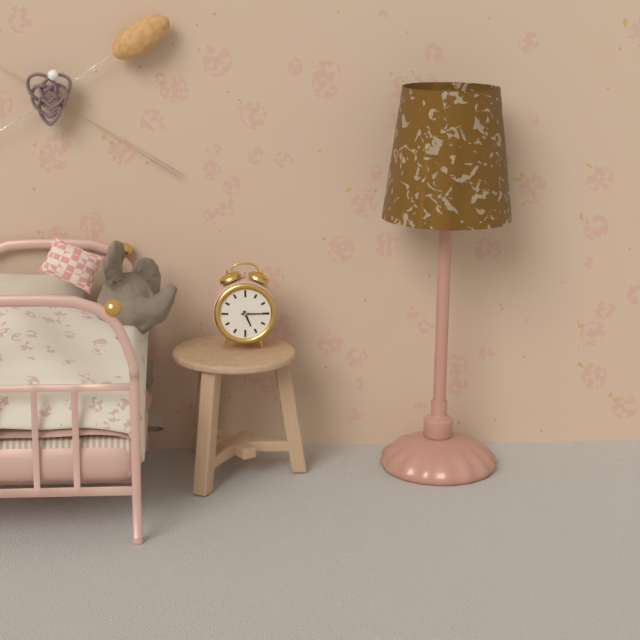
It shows **5:15**
